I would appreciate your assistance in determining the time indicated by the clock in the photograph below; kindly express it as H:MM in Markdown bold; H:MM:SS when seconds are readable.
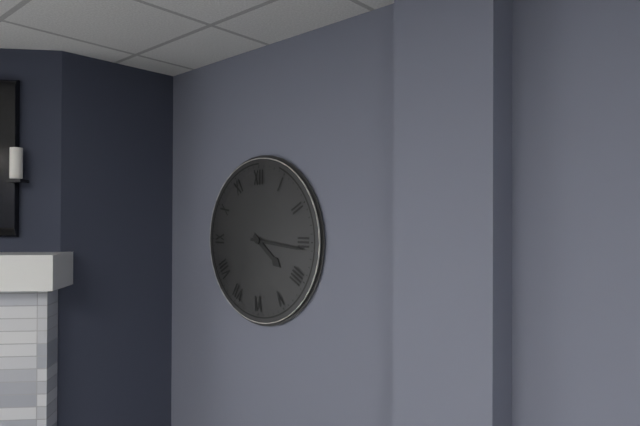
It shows **4:16**
